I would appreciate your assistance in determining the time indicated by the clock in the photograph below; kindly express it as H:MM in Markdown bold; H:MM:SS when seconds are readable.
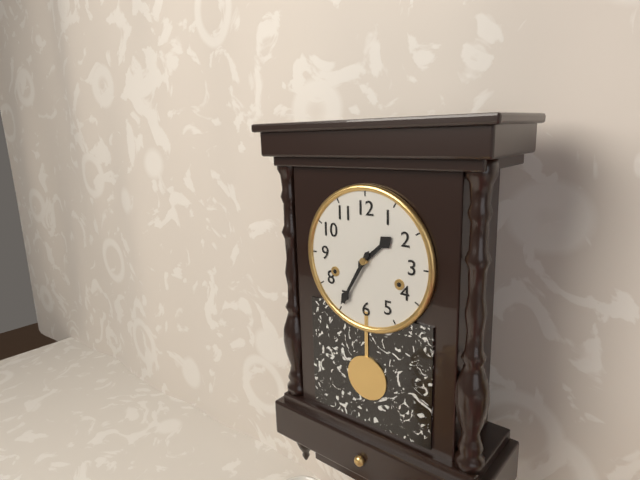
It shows **1:35**
